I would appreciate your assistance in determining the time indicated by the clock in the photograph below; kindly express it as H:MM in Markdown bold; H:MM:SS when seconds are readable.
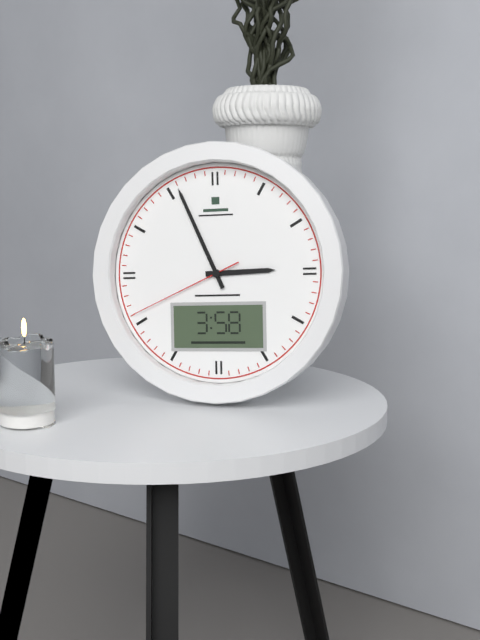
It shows **2:56:41**
